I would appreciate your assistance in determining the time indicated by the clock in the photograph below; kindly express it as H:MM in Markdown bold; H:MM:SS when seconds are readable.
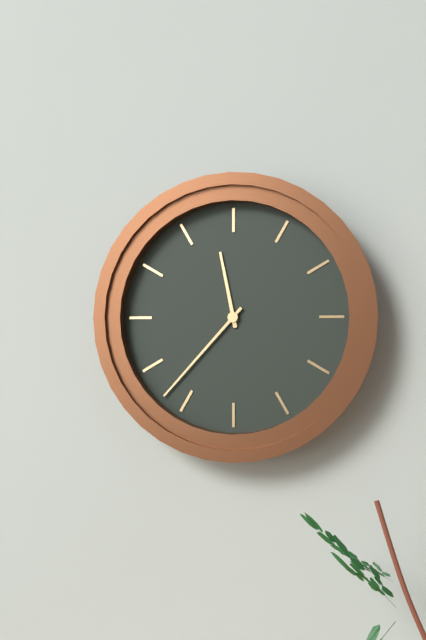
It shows **11:37**
